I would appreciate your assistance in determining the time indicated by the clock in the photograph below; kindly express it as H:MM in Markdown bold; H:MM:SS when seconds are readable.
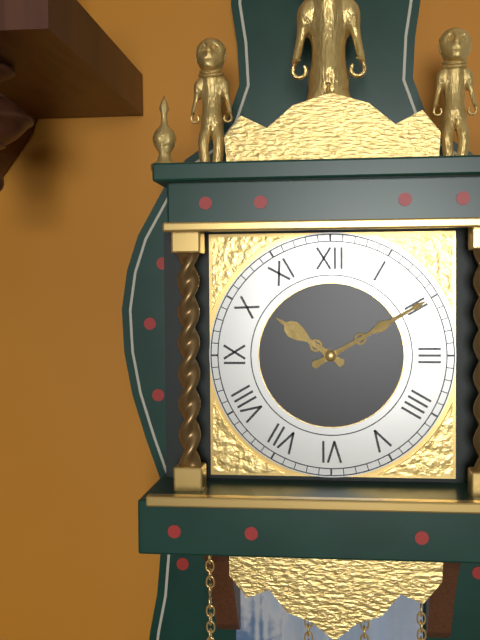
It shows **10:10**
